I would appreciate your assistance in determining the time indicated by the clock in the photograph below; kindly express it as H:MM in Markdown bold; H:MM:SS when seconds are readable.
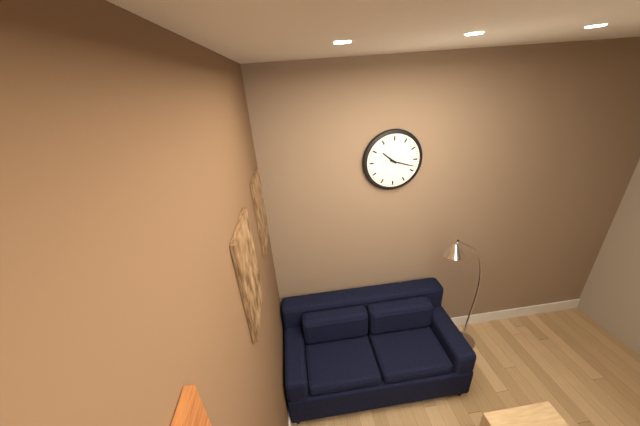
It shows **10:18**
